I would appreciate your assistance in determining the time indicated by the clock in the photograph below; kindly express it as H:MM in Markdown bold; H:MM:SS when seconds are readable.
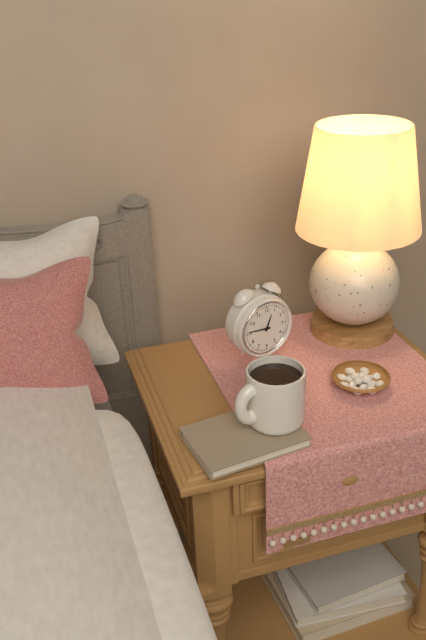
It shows **12:46**
